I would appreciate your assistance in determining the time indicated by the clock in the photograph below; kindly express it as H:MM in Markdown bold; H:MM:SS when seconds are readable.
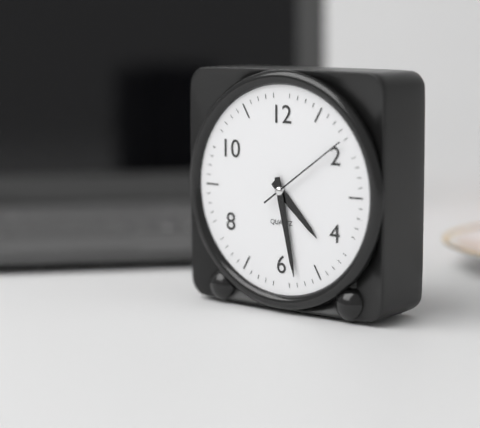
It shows **4:28:09**
